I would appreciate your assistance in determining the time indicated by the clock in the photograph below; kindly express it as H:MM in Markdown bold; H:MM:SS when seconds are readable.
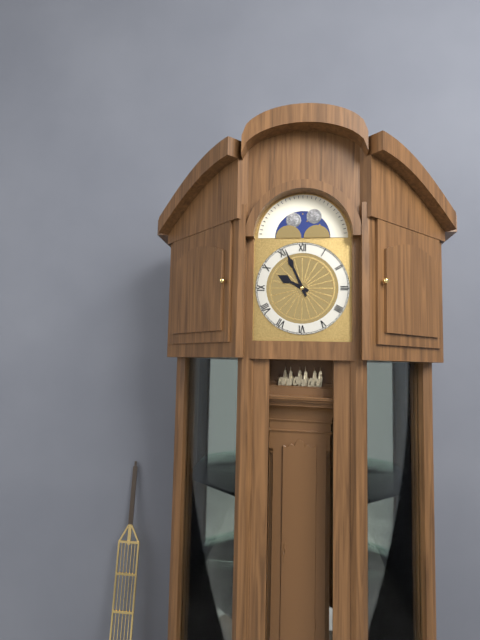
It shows **9:56**
